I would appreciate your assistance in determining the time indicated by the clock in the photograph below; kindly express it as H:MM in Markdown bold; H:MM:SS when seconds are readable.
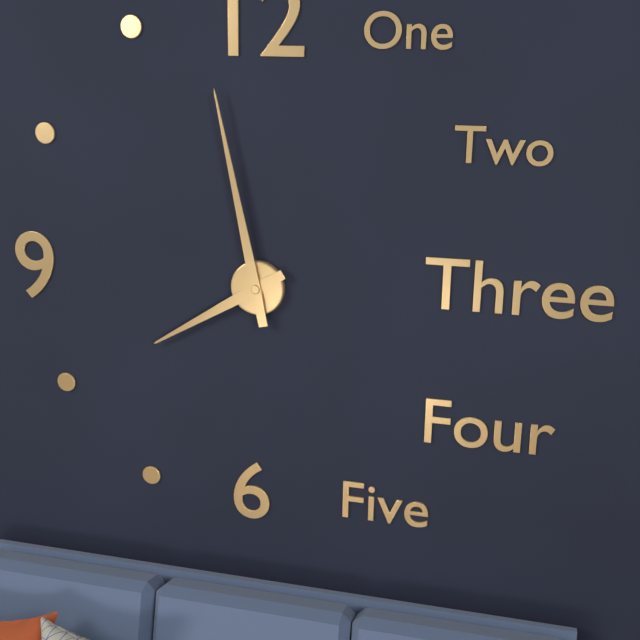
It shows **7:58**
